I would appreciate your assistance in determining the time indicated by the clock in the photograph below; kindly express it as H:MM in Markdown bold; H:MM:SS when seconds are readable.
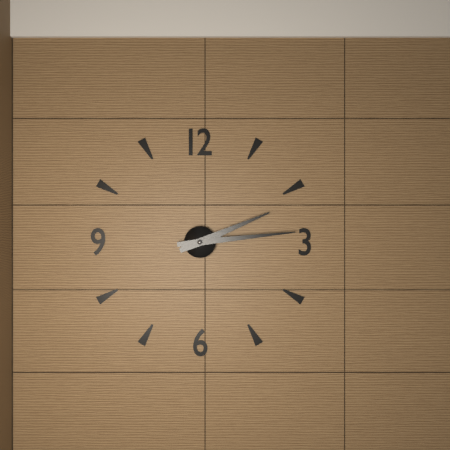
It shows **2:14**
